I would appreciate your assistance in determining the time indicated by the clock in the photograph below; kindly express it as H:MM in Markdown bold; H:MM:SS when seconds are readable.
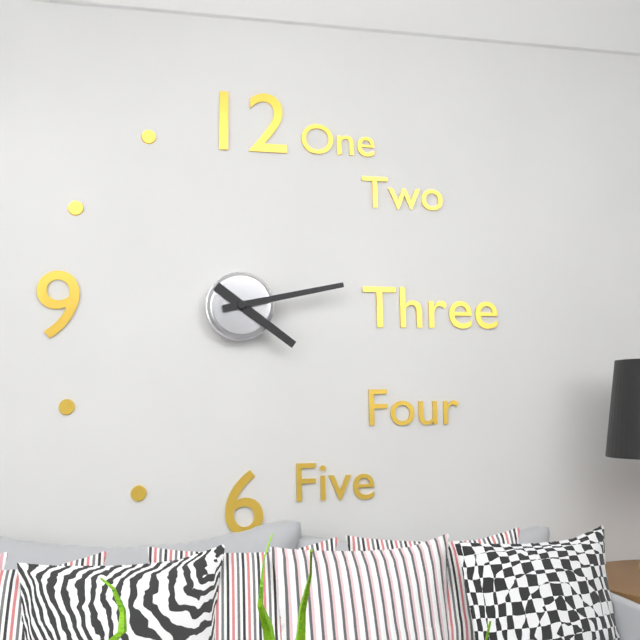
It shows **4:13**
